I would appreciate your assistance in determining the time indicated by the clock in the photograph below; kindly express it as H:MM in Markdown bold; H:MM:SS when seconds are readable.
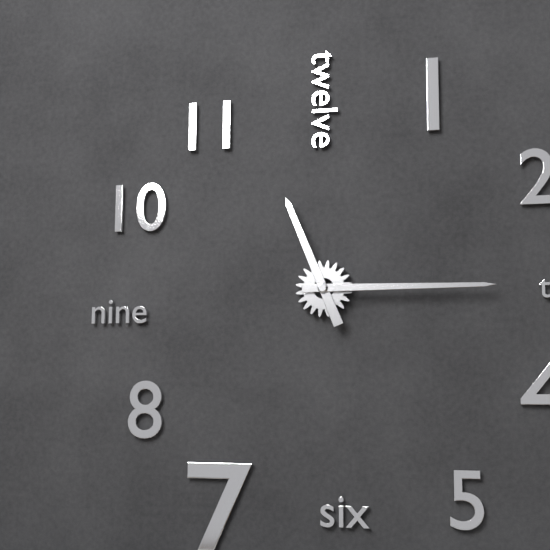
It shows **11:15**
